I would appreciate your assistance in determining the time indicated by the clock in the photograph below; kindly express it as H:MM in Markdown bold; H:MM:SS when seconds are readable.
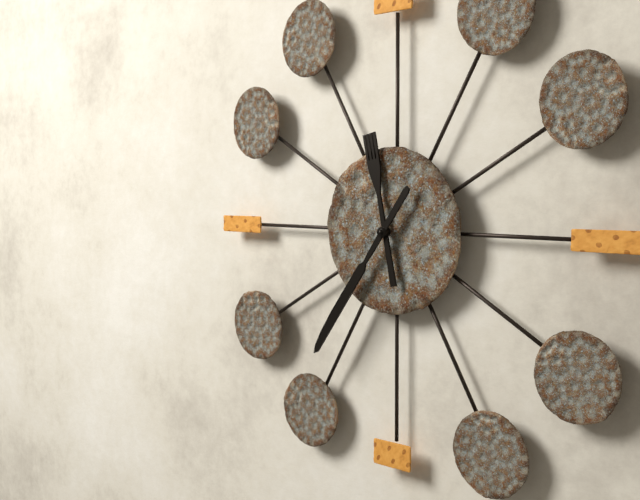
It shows **11:36**
